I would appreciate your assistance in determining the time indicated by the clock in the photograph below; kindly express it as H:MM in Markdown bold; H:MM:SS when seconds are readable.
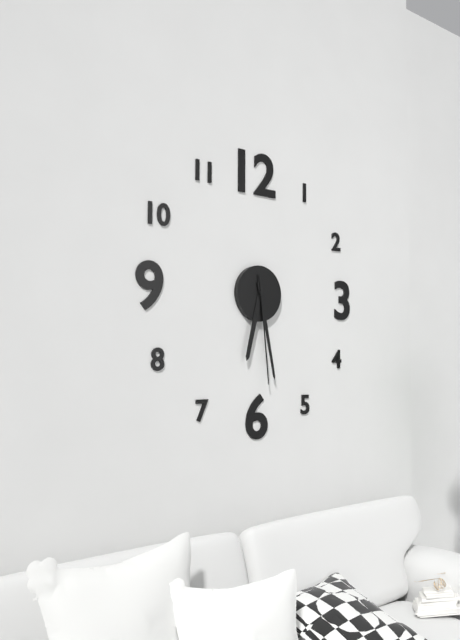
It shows **6:28:29**
